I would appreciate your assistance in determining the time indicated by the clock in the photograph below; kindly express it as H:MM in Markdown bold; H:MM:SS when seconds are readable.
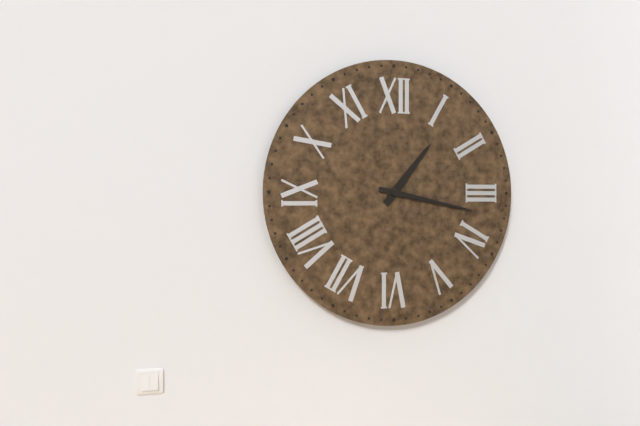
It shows **1:17**
